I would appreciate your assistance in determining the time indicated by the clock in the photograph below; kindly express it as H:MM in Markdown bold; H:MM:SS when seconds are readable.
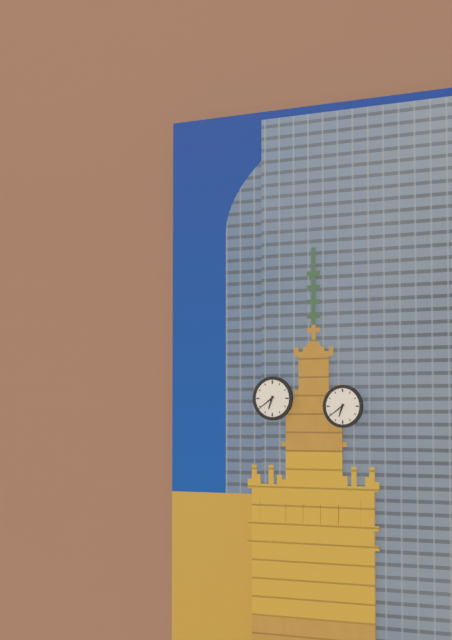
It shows **6:39**
